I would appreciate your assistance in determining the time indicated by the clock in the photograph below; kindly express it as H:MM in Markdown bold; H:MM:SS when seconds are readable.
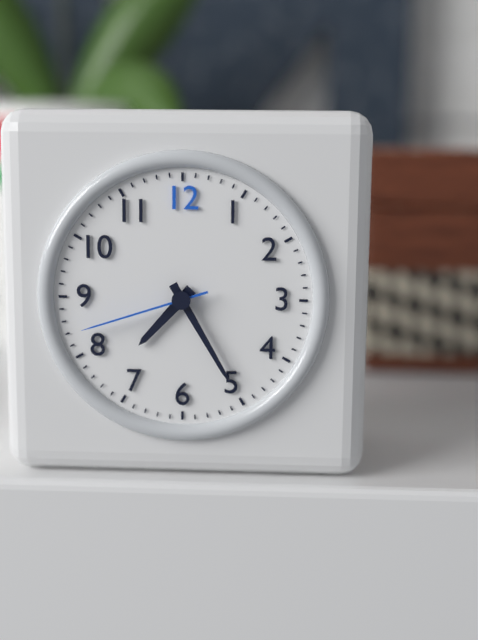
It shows **7:25:42**
